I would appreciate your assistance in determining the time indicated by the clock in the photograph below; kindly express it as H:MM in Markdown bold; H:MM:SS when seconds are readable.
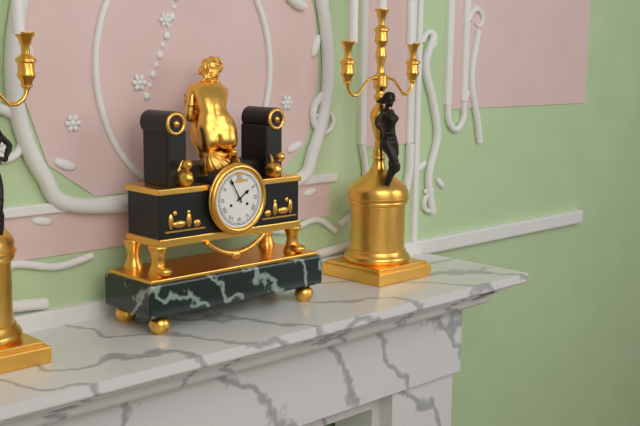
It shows **1:55**
